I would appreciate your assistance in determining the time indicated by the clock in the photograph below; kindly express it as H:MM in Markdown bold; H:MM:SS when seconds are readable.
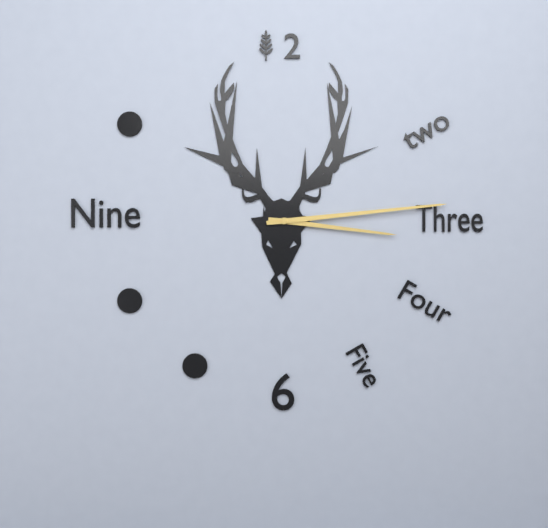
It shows **3:14**
